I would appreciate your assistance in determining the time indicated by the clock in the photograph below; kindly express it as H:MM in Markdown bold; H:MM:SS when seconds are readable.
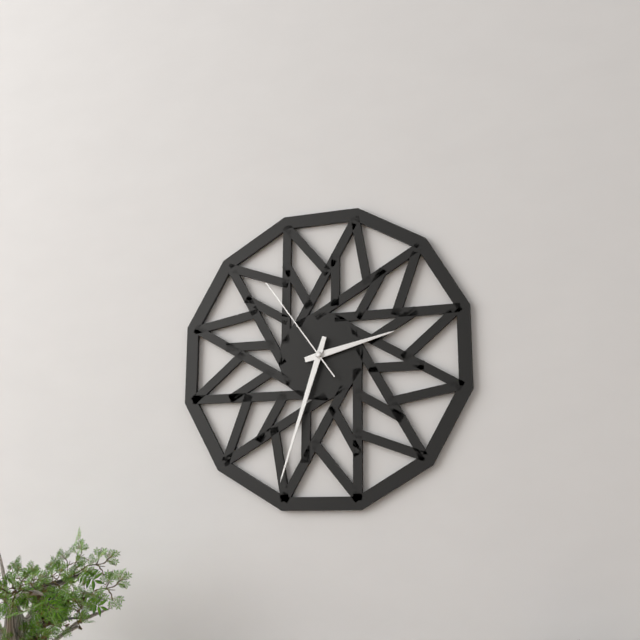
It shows **2:33:54**
